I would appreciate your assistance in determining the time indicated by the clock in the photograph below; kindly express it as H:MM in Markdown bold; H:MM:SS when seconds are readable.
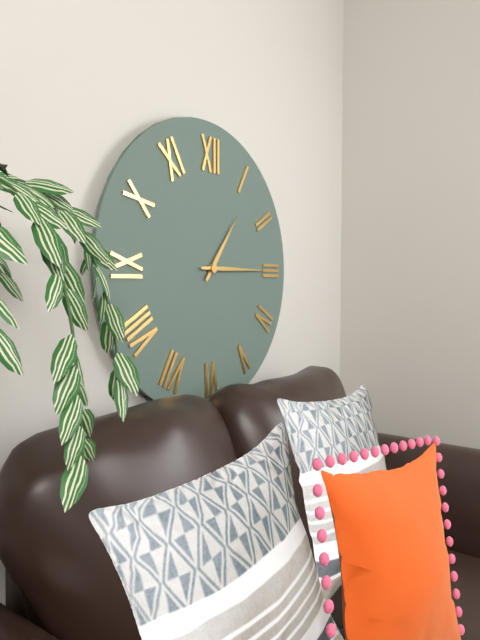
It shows **1:15**
